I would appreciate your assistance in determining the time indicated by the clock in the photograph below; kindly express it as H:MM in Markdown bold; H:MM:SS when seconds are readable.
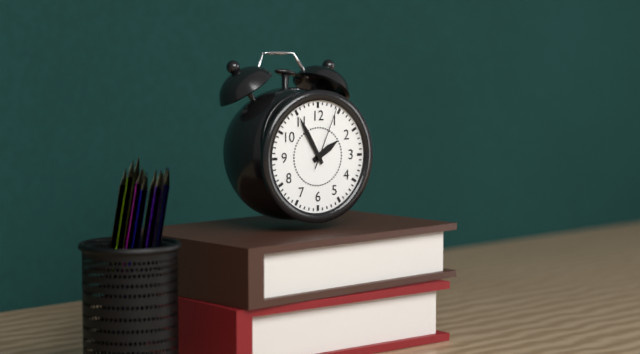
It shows **1:55:04**
